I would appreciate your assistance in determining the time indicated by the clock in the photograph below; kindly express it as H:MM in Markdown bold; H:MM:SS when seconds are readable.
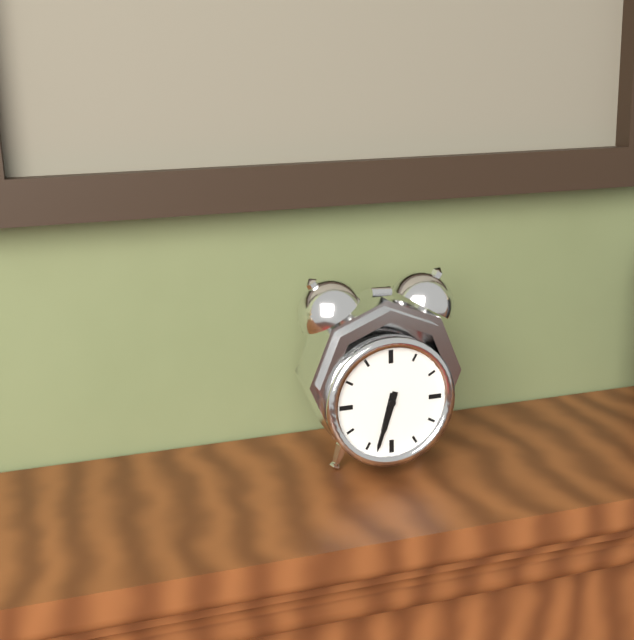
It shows **6:33**
